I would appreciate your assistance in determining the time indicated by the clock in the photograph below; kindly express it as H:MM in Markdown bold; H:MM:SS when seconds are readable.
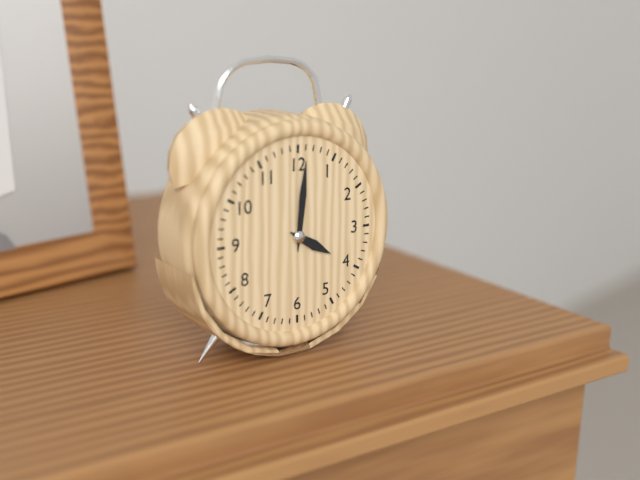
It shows **4:01**
